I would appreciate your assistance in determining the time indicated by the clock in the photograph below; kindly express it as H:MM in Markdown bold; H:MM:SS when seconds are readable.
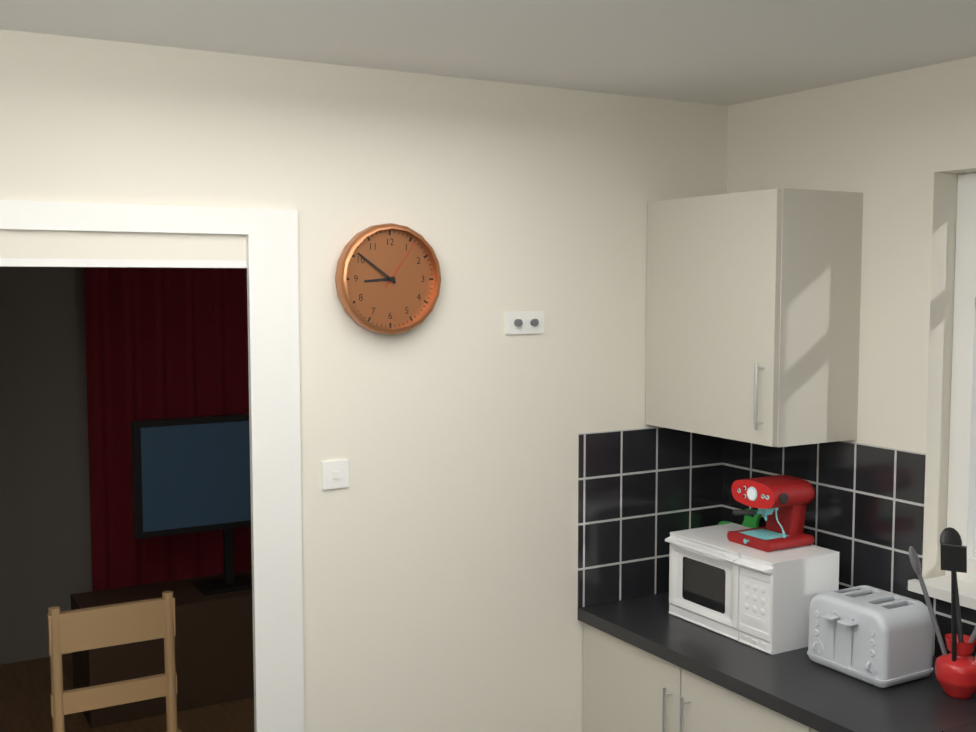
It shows **8:51:06**
